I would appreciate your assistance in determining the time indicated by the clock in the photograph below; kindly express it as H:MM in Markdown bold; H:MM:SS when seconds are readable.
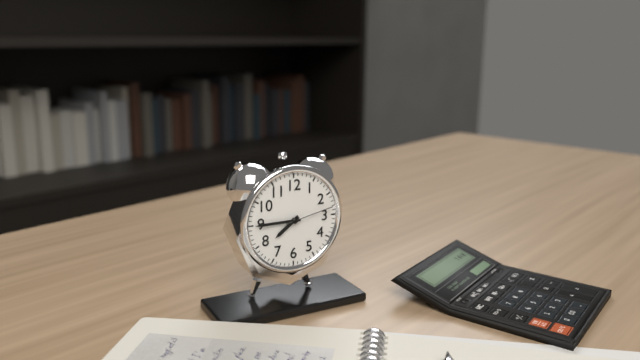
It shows **7:45:13**
